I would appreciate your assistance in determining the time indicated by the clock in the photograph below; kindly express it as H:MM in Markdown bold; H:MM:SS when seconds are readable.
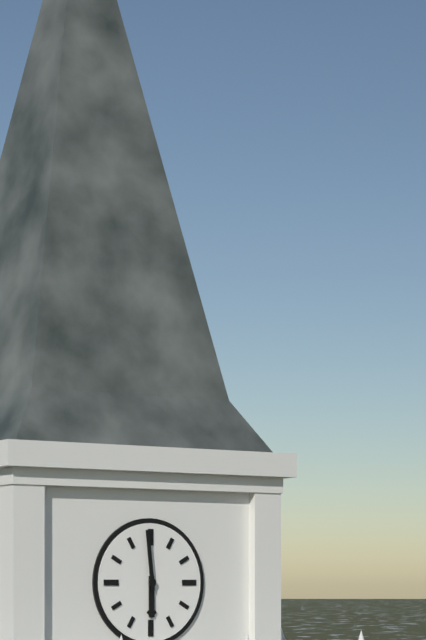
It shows **5:59**
